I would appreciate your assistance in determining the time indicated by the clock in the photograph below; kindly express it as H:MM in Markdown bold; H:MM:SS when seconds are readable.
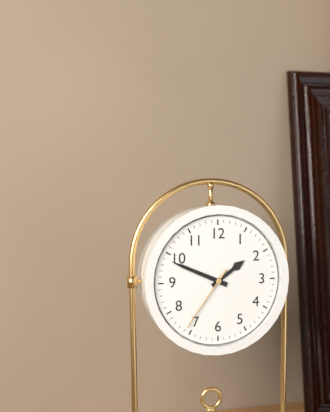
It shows **1:49:36**
